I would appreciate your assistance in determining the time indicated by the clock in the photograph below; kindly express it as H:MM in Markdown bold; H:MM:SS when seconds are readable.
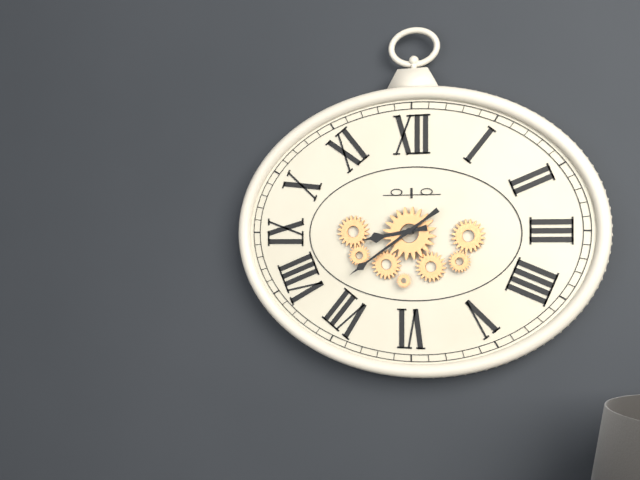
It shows **8:39**
